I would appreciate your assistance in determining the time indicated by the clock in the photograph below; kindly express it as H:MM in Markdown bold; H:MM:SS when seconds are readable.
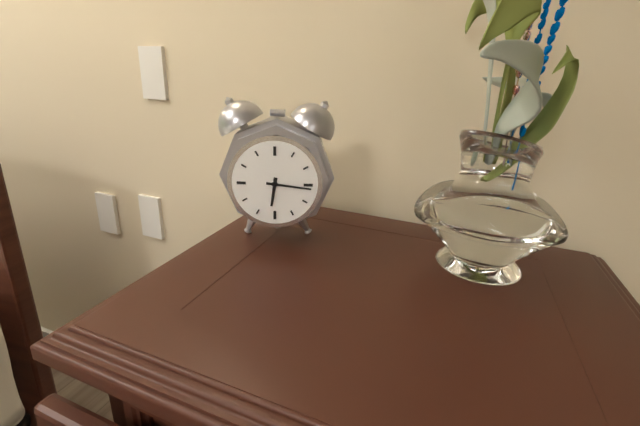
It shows **6:16**
